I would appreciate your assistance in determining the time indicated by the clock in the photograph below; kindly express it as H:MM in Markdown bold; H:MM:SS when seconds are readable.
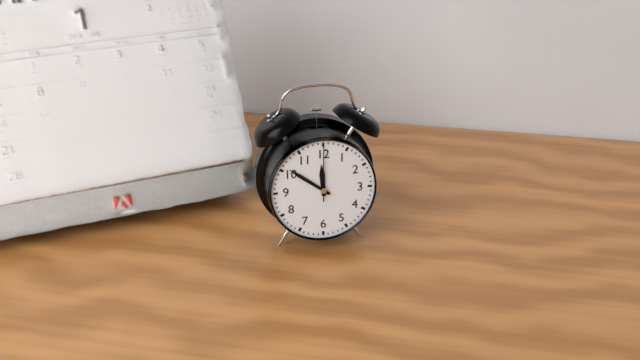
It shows **11:51:00**
